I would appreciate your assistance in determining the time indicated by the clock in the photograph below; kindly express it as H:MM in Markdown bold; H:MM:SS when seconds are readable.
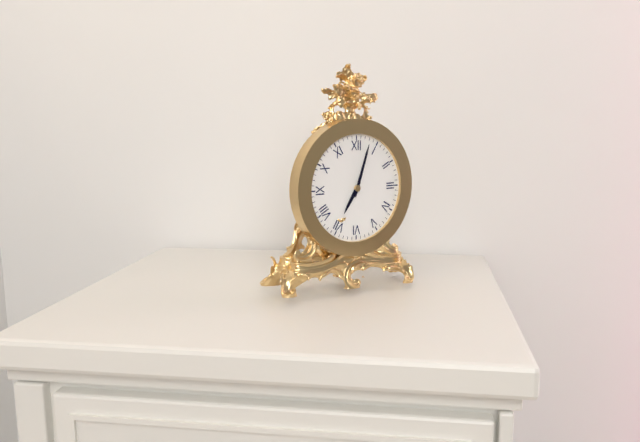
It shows **7:03**
